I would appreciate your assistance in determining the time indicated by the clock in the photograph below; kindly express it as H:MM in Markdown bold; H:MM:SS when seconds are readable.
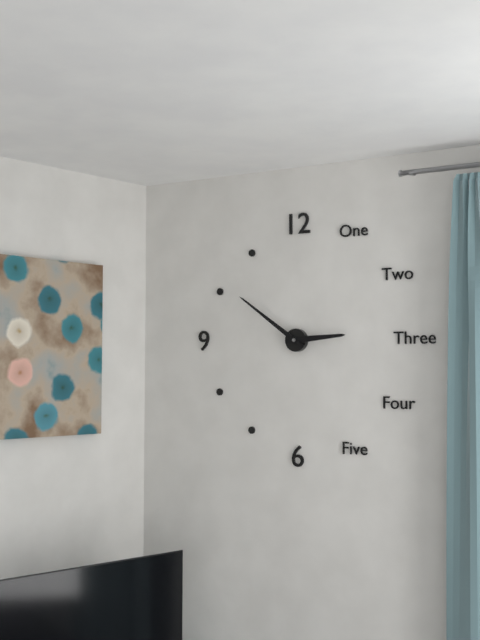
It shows **2:51**
